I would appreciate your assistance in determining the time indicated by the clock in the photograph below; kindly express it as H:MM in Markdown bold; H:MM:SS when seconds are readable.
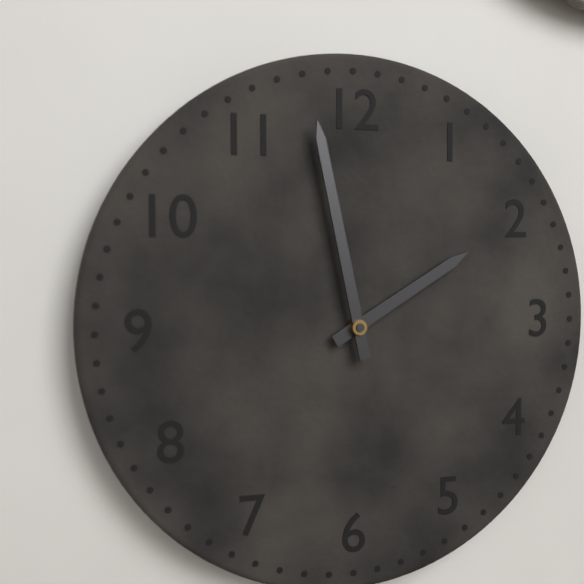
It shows **1:58**
